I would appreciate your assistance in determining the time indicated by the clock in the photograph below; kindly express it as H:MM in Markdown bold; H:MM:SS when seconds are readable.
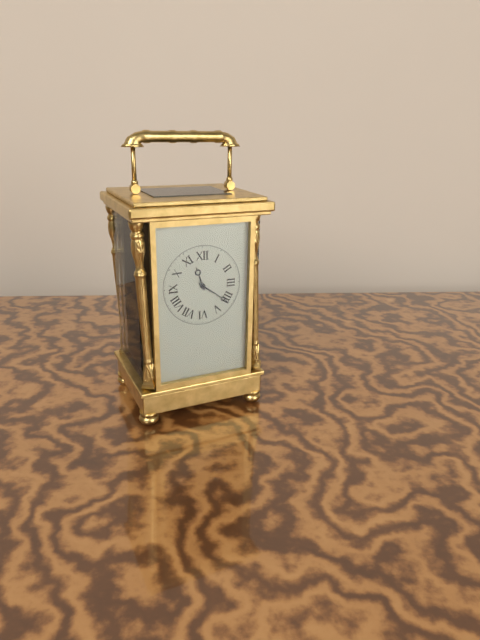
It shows **11:21**
